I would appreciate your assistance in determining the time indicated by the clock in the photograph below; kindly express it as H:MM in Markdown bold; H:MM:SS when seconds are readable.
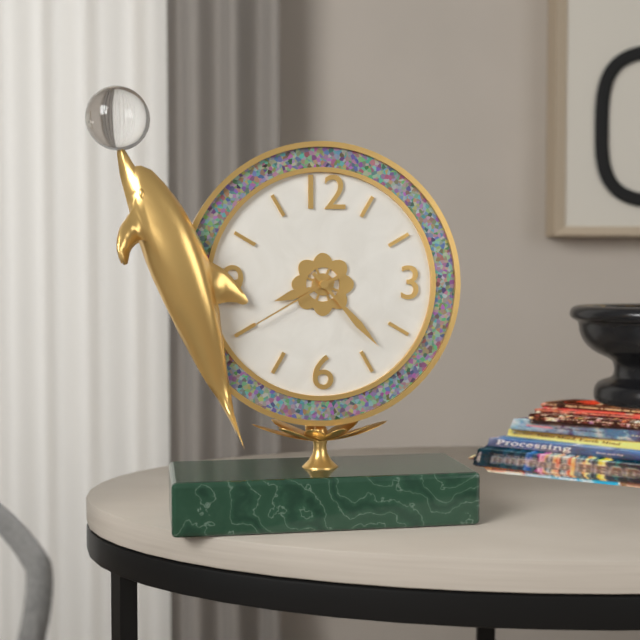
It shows **8:23:40**
